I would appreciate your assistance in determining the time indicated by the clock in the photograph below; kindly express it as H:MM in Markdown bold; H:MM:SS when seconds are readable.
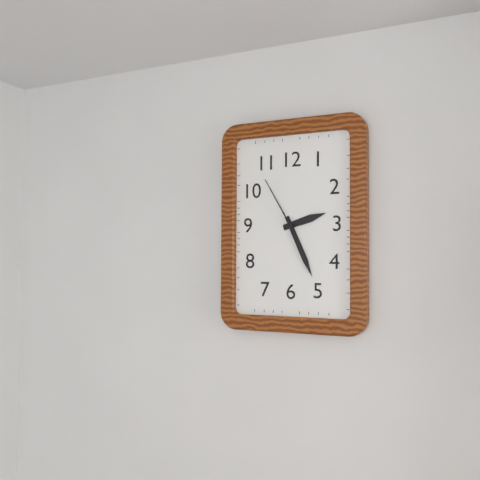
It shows **2:26:55**
